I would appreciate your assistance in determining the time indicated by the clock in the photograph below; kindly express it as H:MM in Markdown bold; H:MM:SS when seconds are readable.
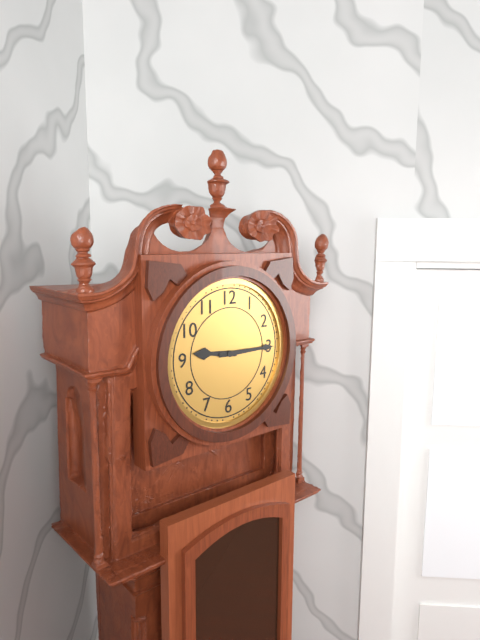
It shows **9:15**
